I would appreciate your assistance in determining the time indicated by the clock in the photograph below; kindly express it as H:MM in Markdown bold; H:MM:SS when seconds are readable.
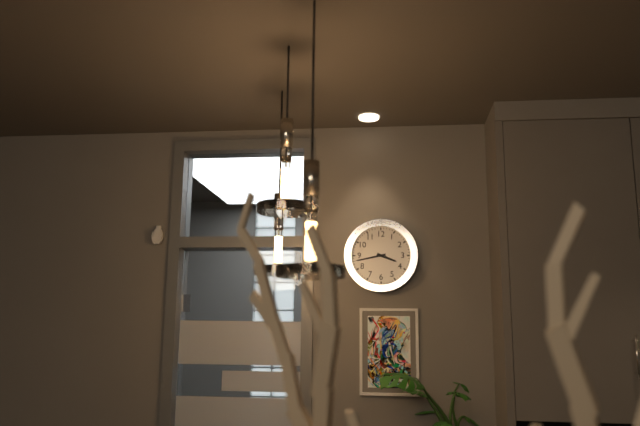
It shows **3:43**
